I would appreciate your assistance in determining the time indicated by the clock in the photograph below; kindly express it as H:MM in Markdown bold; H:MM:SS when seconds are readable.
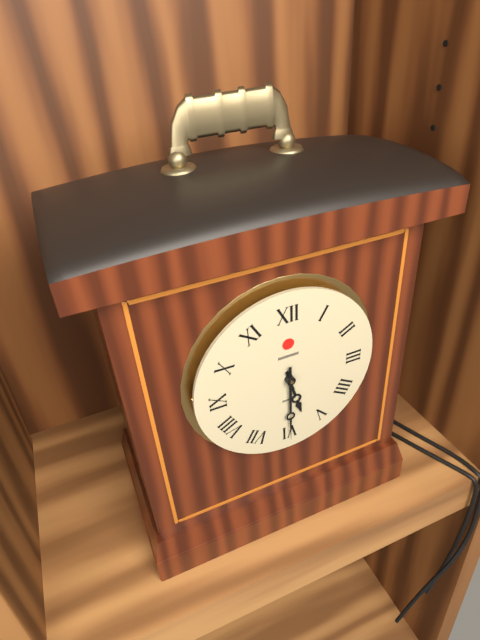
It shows **5:30**
